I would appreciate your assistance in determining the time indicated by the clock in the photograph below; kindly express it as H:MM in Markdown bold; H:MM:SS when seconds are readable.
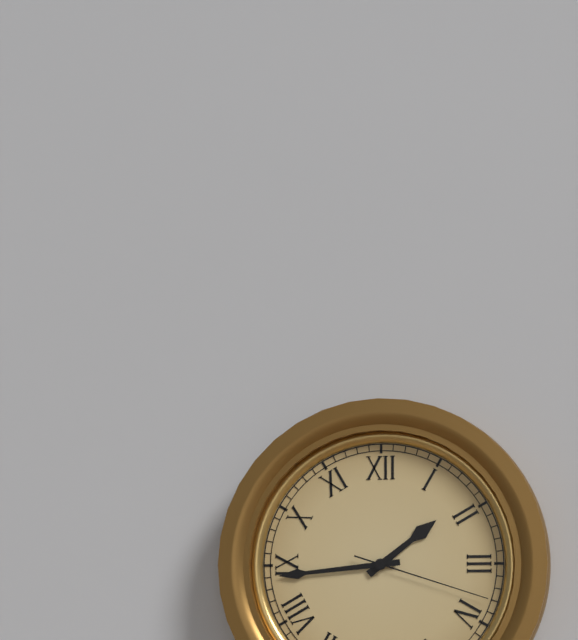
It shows **1:44:18**
